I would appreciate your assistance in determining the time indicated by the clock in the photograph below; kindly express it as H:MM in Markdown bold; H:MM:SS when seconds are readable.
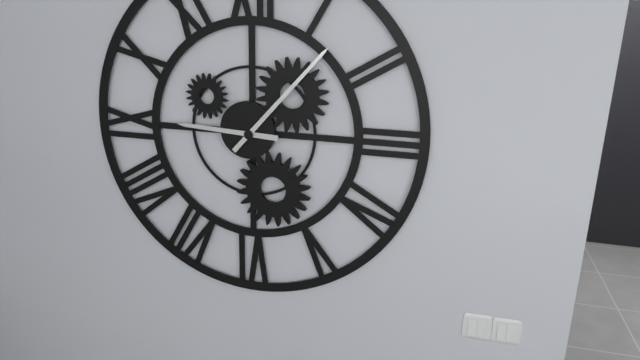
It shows **9:07**
